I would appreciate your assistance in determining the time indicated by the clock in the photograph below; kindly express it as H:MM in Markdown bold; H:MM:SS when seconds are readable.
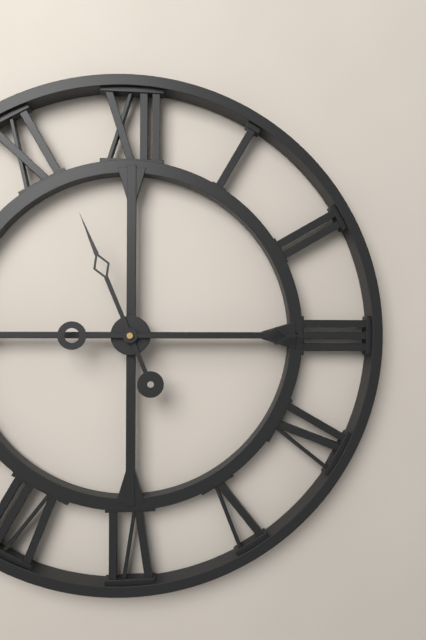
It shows **11:15**
